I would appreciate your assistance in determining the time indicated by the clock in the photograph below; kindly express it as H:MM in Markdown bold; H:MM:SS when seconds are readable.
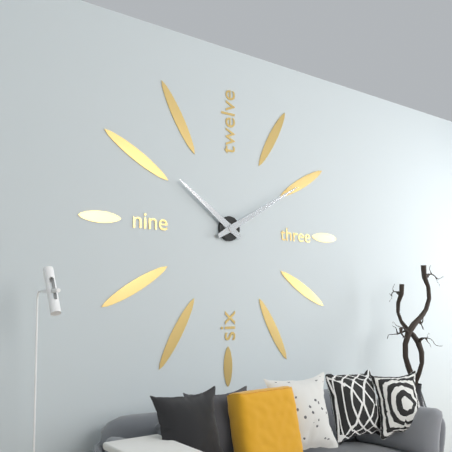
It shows **10:10**
